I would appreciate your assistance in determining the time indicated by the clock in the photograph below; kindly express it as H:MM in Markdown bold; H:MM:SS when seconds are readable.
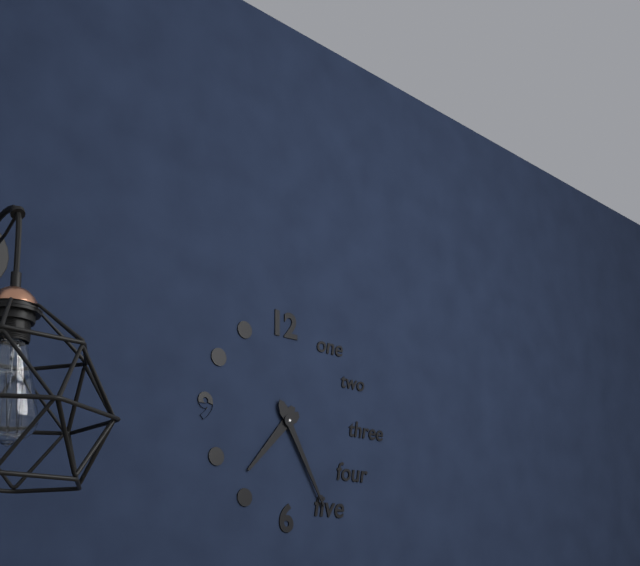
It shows **7:25**
